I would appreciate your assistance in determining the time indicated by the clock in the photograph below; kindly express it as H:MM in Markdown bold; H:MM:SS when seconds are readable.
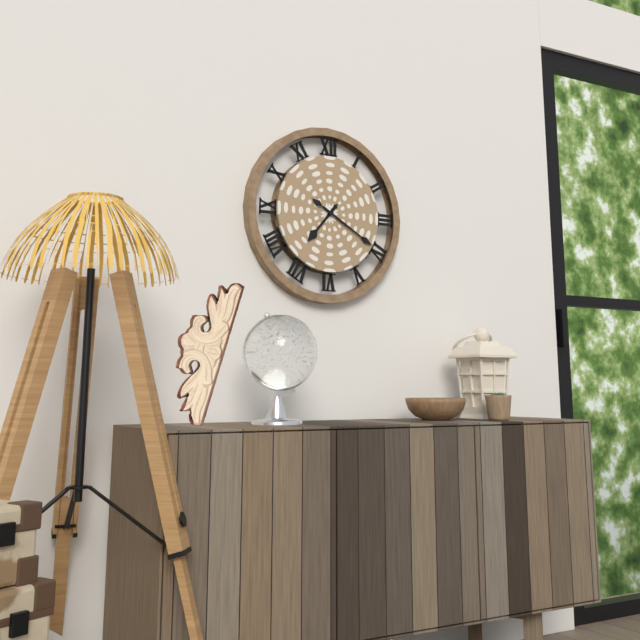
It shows **7:20**
